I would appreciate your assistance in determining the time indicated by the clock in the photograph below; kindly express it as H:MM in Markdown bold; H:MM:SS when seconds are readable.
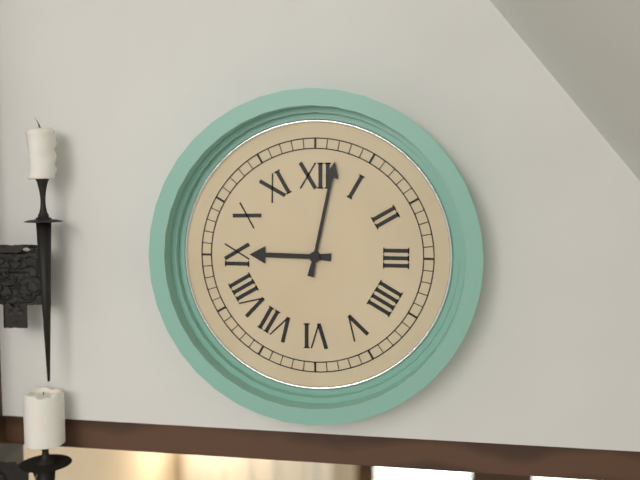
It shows **9:02**
